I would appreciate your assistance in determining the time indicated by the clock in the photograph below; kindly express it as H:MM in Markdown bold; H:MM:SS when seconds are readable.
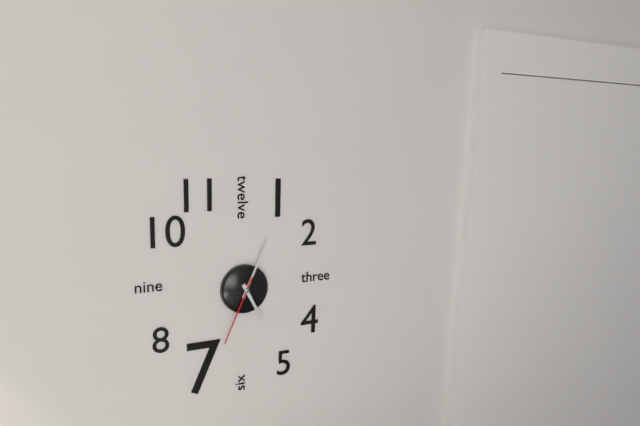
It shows **5:04:34**
